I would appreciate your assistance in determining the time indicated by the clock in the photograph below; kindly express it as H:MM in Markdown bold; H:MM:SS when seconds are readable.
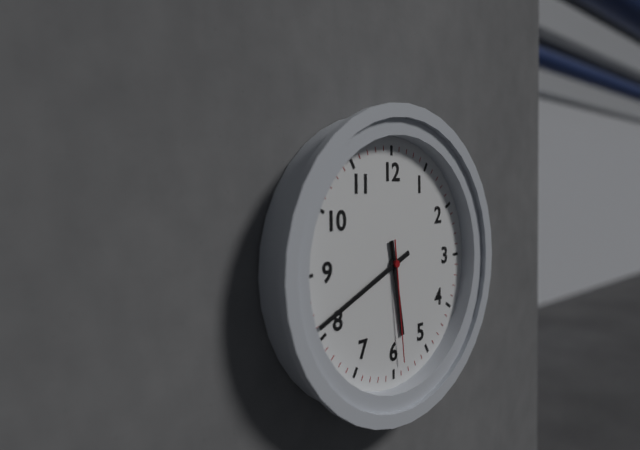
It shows **5:41:29**
